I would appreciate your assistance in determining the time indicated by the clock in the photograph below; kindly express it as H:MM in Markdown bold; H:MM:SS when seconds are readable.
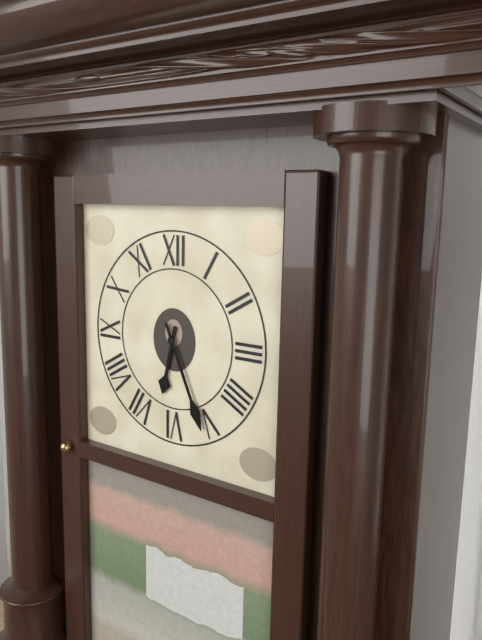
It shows **6:26**
